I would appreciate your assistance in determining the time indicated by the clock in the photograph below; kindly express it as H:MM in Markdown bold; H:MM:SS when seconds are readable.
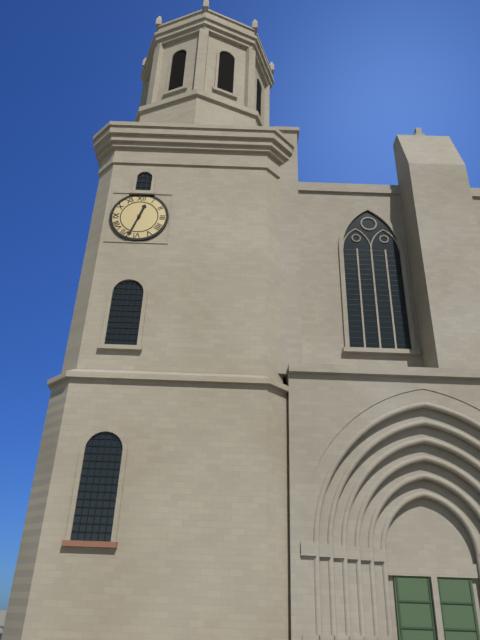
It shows **12:33**
